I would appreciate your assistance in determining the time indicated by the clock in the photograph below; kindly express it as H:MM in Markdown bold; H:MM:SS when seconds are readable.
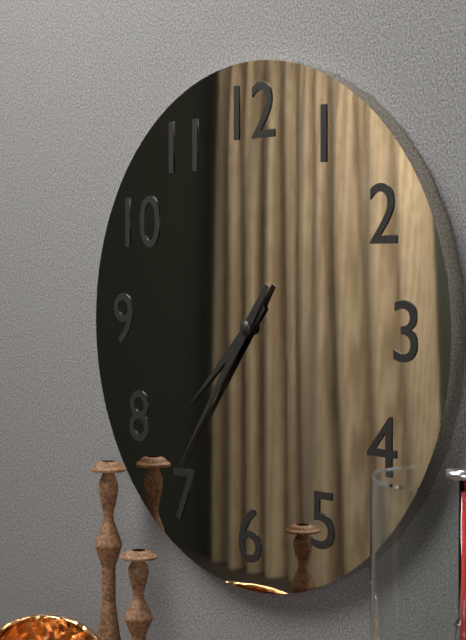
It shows **7:36**
